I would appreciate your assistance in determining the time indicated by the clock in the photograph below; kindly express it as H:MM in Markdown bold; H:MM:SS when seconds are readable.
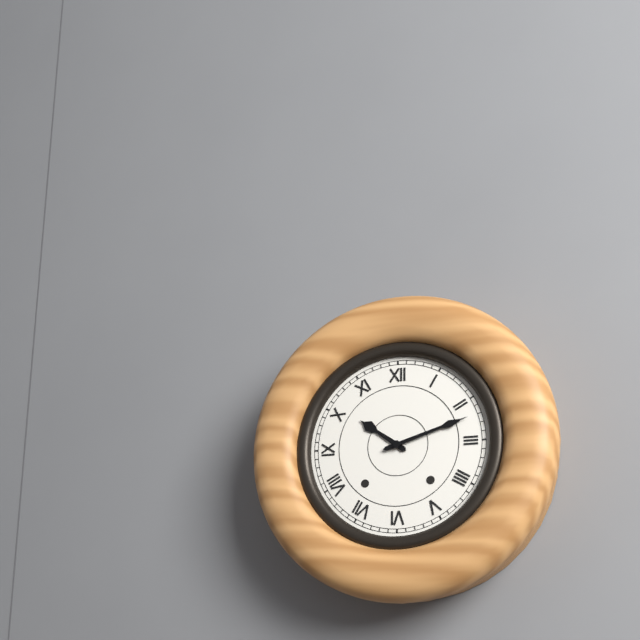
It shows **10:12**
